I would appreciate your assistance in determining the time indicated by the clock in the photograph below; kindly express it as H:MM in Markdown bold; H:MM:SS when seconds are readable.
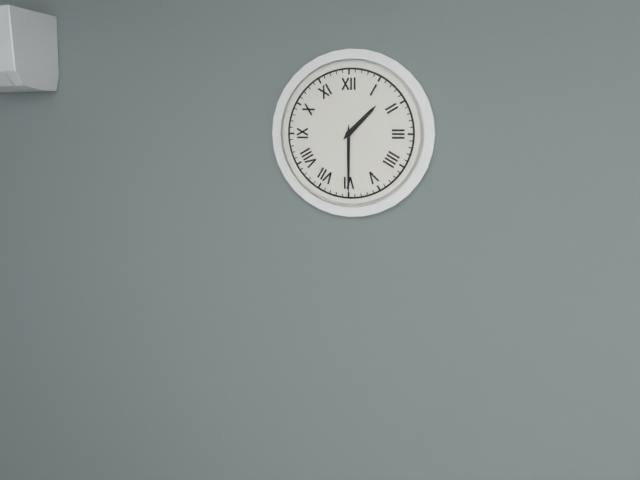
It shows **1:30**
